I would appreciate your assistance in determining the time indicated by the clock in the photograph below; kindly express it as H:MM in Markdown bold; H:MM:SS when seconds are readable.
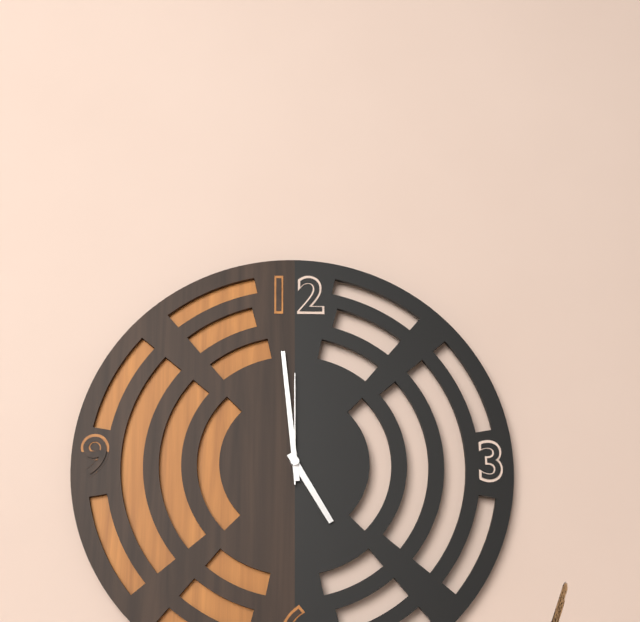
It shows **4:59:00**
